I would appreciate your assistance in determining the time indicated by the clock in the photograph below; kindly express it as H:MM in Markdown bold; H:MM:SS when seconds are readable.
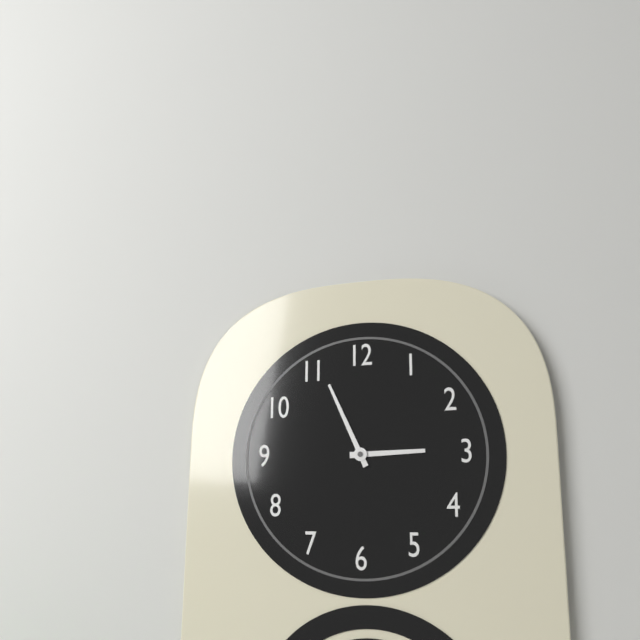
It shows **2:56**
